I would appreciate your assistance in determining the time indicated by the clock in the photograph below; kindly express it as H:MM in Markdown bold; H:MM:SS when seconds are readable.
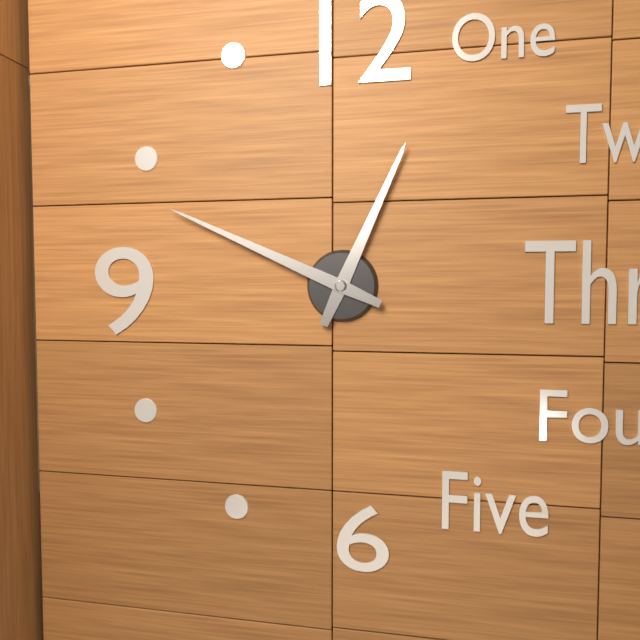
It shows **12:49**
